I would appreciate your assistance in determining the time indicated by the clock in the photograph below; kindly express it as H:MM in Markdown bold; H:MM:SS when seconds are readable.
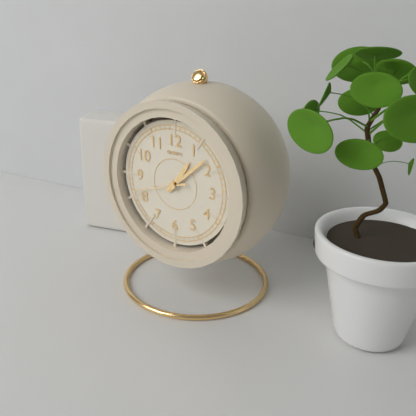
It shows **1:08:42**
